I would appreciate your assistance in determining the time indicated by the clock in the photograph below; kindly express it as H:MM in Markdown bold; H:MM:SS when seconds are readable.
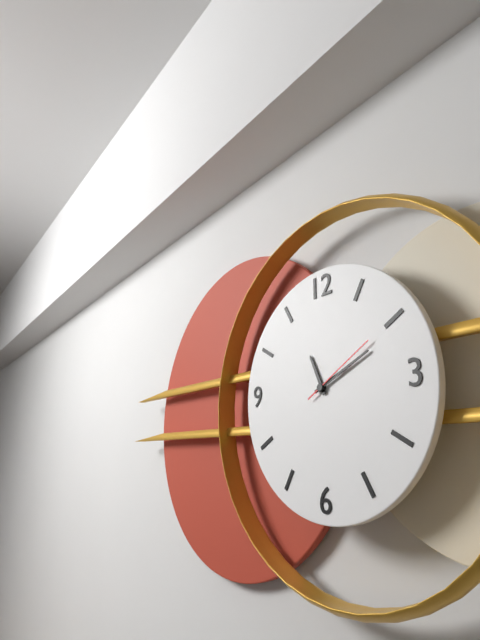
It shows **11:11:10**
